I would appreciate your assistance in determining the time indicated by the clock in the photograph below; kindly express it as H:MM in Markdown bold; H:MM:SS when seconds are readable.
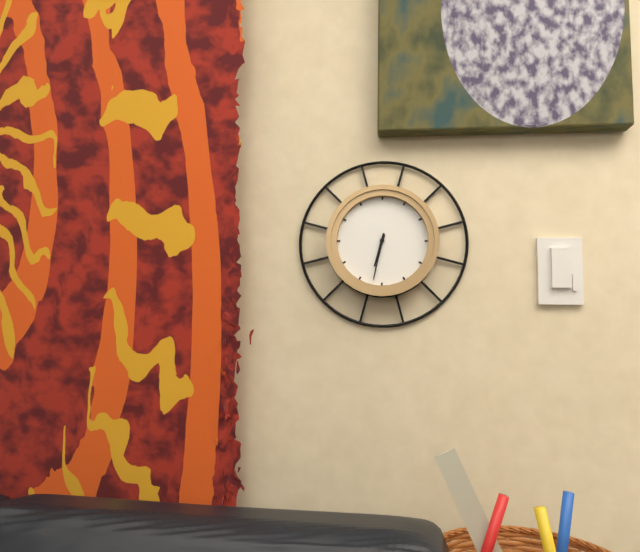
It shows **6:32**
